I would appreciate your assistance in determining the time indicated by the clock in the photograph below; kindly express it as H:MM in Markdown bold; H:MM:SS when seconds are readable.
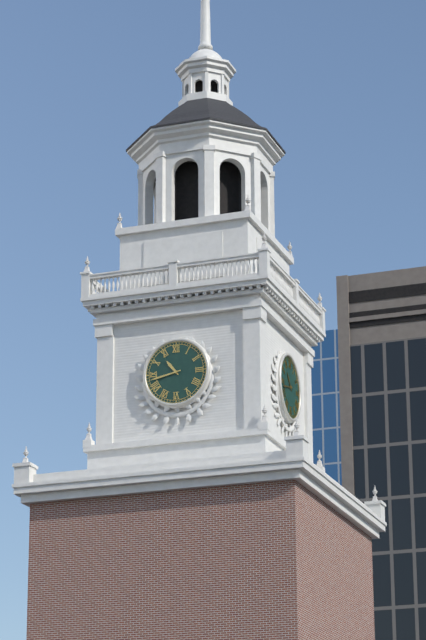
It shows **10:43**
